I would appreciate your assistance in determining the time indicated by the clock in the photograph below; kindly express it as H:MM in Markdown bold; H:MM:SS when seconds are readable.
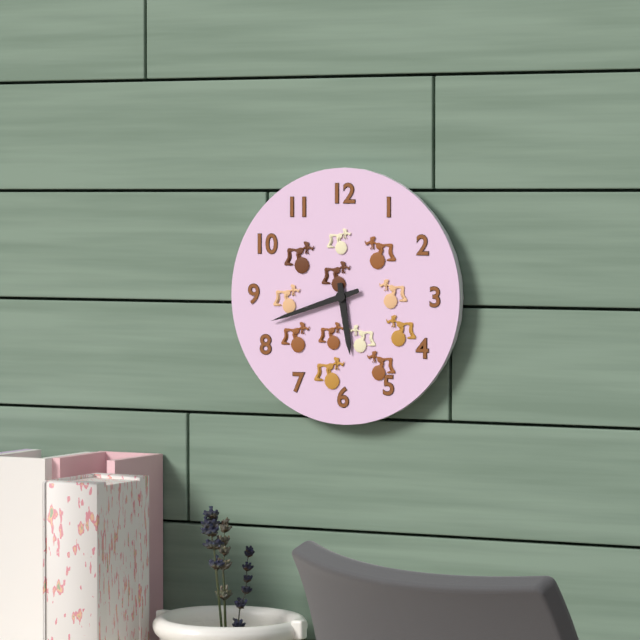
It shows **5:42**
